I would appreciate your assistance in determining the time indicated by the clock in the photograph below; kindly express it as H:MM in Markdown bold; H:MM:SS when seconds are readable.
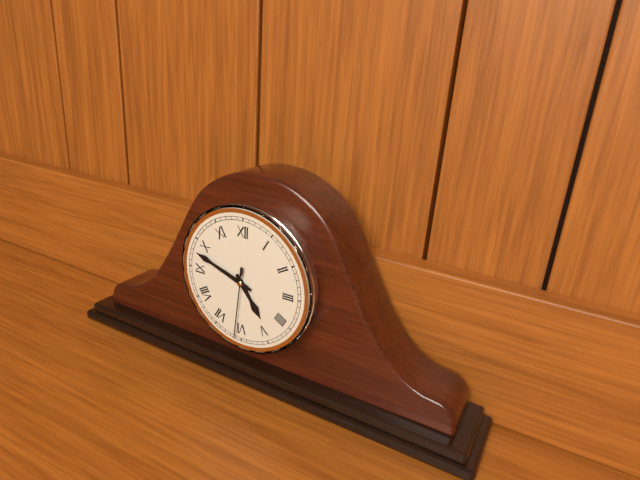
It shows **4:48:31**
